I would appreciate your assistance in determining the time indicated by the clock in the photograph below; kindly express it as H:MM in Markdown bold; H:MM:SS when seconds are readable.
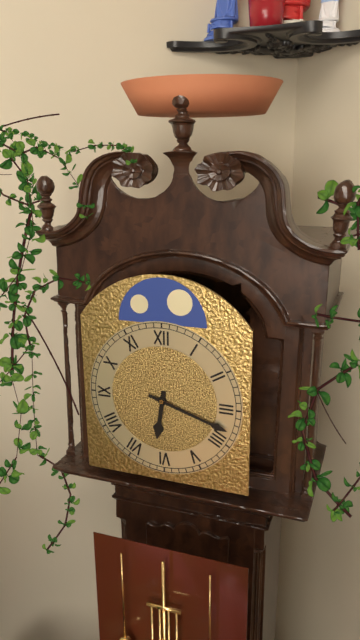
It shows **6:18**
